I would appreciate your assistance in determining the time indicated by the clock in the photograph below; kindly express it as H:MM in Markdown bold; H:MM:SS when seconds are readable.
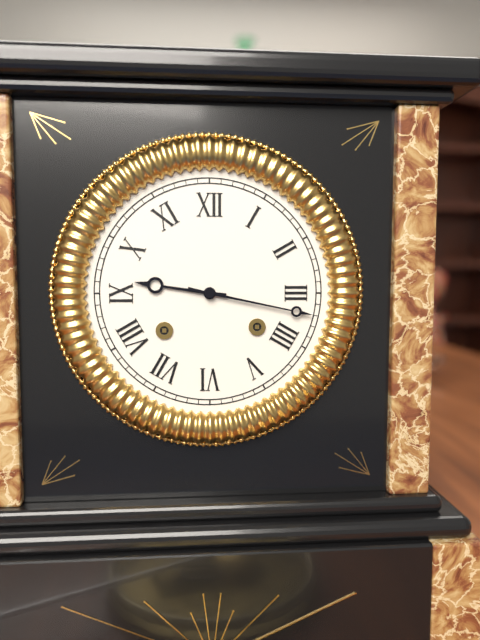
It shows **9:17**
